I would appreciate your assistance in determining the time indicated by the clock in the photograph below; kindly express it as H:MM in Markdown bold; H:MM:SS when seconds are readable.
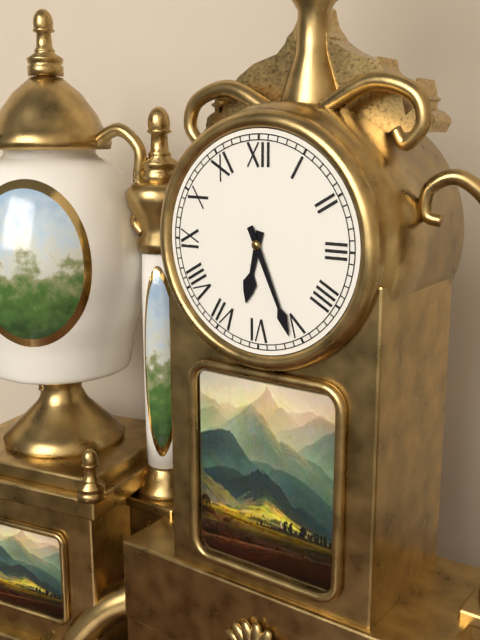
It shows **6:26**
